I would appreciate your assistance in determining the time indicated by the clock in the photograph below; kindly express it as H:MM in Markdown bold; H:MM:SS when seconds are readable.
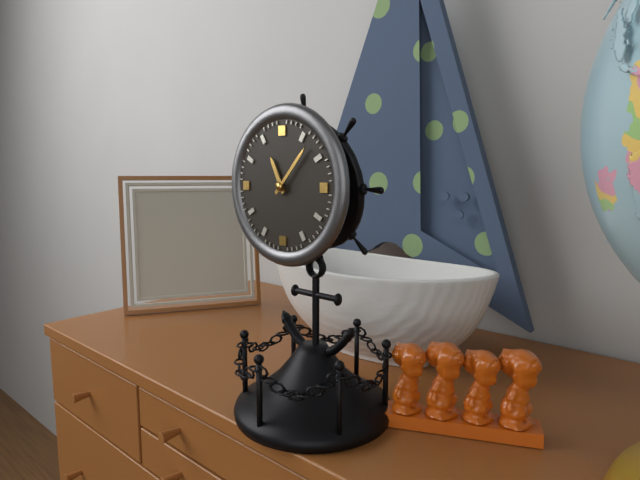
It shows **11:07**
